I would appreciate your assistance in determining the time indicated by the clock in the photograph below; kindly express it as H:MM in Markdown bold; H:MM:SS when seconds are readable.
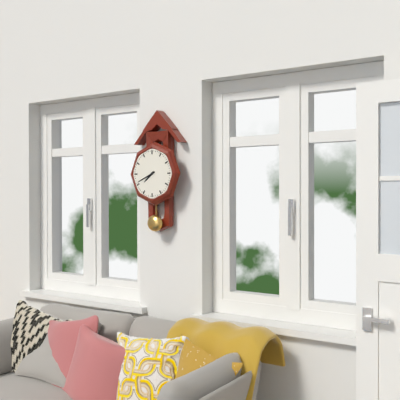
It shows **7:41**
